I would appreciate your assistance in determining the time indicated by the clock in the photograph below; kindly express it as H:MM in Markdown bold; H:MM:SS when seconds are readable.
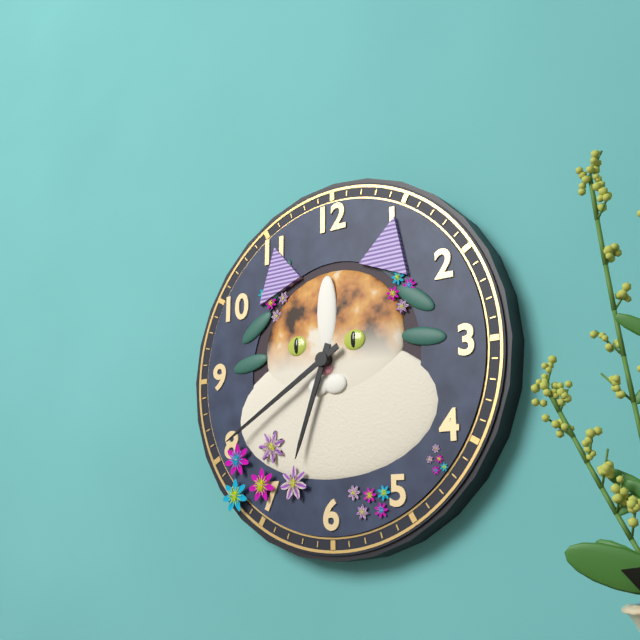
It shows **6:40**
